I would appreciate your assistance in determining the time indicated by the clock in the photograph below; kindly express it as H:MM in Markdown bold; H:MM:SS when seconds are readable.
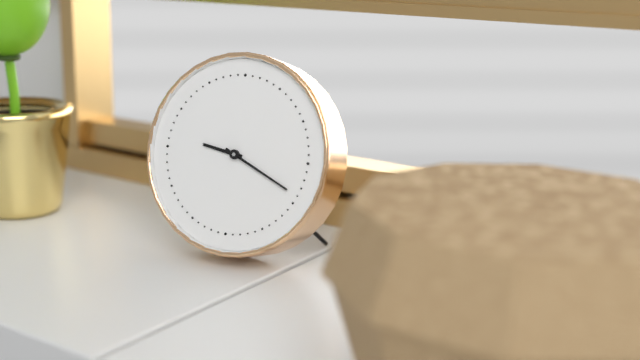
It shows **9:19**
